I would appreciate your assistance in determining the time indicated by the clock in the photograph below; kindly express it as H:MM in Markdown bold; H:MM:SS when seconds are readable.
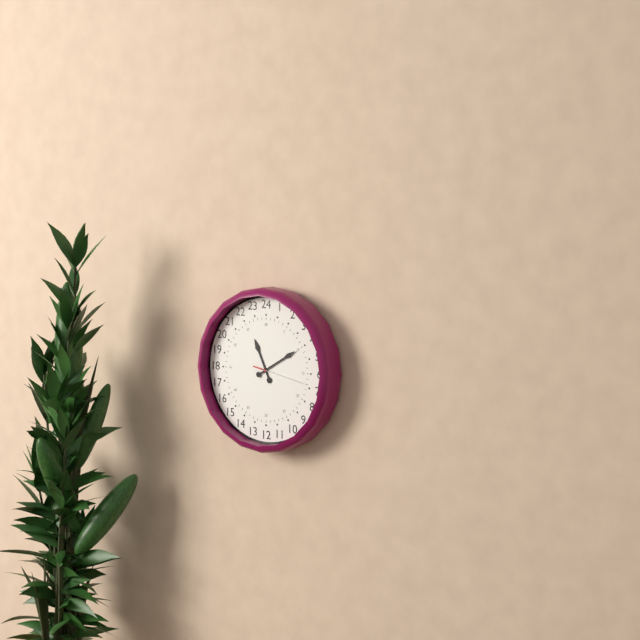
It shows **11:10**
